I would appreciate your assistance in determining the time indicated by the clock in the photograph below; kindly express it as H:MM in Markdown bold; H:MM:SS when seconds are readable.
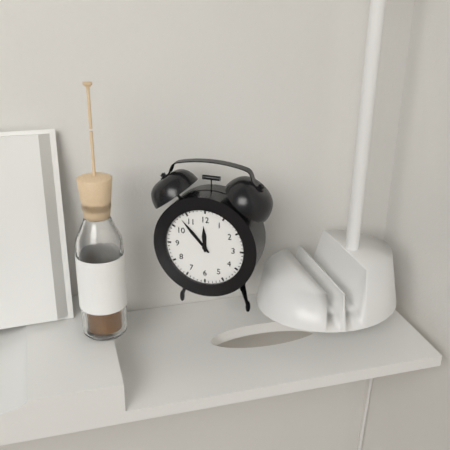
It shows **11:53**
